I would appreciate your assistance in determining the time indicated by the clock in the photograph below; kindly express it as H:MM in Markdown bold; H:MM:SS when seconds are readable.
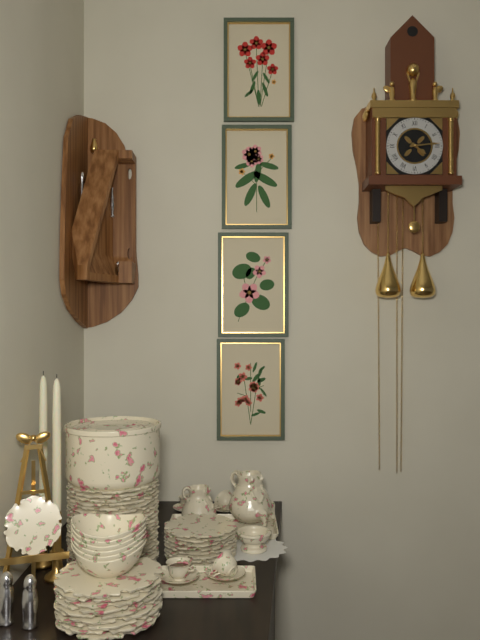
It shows **4:14**
